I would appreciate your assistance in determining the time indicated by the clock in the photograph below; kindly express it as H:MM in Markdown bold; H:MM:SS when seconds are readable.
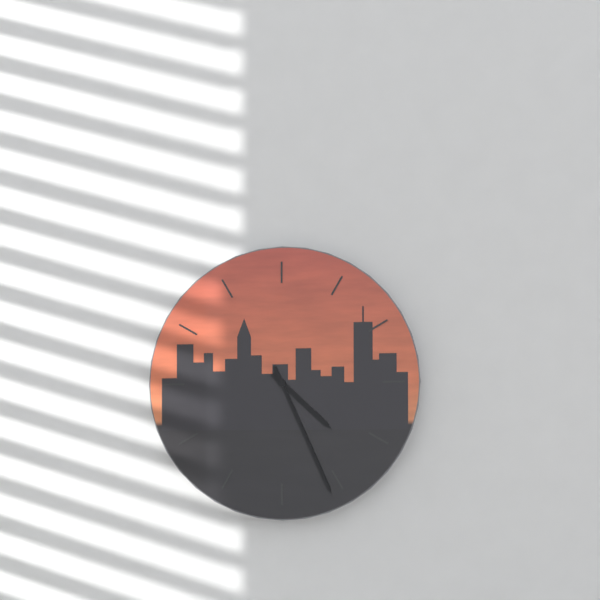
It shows **4:26**
